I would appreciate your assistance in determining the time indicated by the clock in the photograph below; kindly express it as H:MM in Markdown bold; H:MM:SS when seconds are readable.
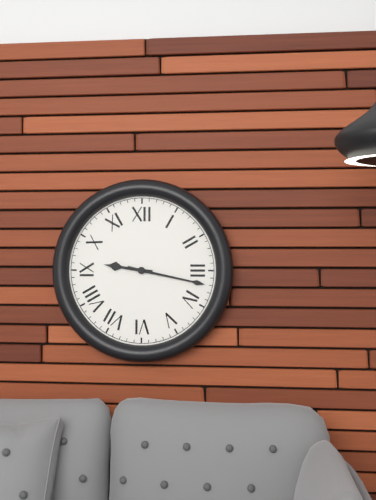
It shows **9:17**
